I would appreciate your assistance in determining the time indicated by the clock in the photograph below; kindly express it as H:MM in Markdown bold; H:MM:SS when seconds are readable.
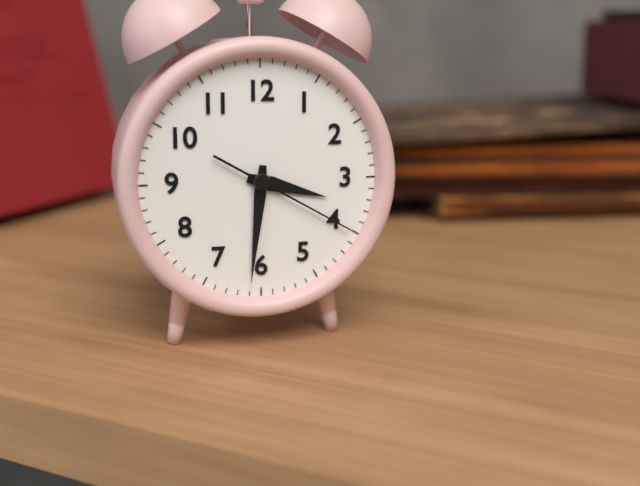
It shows **3:31:20**
